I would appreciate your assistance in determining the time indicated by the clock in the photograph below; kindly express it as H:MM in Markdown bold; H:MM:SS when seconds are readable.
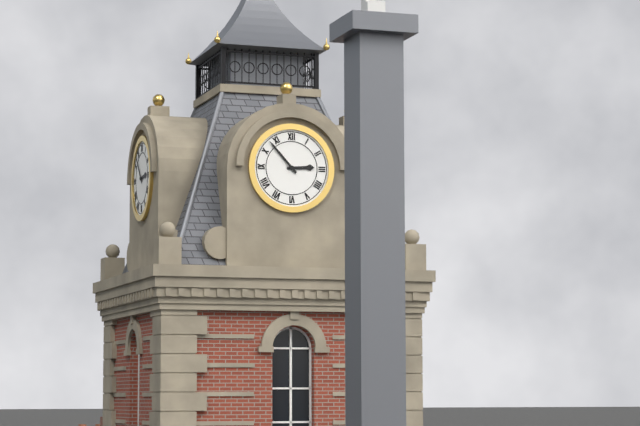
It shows **2:53**
